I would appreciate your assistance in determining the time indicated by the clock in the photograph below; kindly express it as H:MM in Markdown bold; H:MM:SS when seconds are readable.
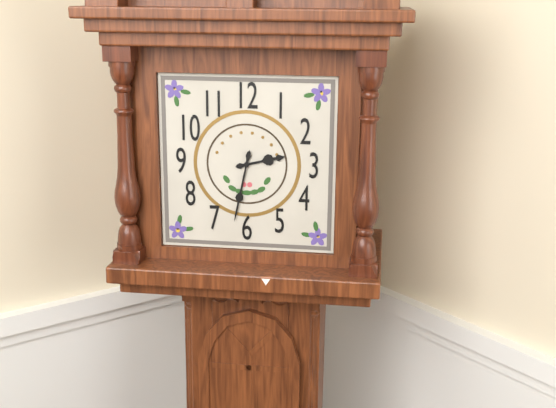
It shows **2:32**
